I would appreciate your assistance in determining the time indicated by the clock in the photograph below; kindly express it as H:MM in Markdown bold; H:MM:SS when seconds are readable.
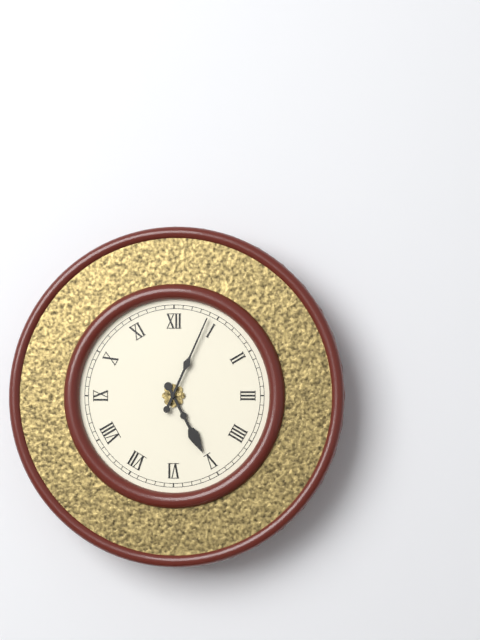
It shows **5:04**
